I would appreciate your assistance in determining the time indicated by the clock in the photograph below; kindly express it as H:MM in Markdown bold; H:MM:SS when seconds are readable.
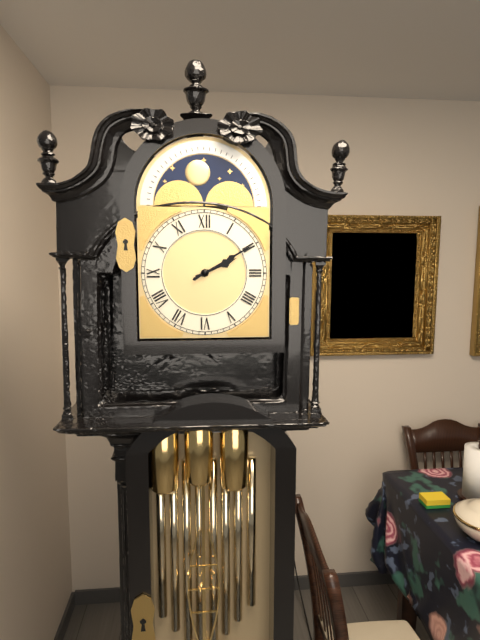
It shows **2:10**
